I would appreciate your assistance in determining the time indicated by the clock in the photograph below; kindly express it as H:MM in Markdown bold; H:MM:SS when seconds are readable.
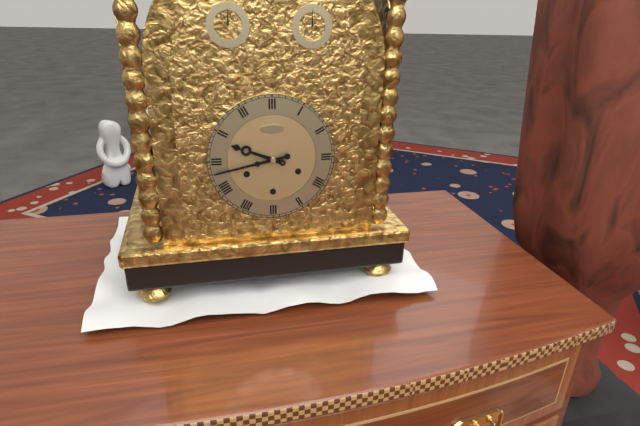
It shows **9:43**
